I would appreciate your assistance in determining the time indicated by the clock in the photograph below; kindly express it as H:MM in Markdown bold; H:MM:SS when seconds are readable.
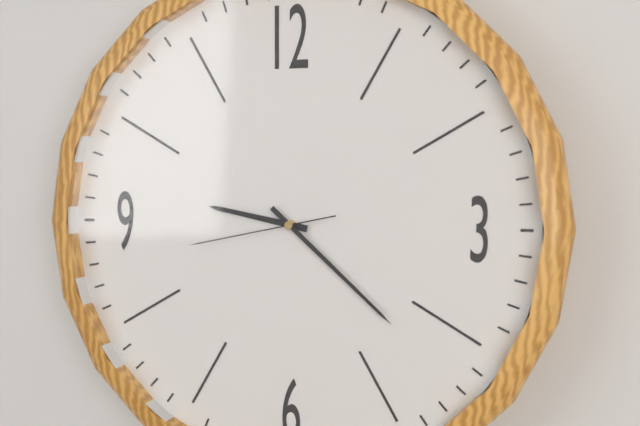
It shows **9:22:43**
